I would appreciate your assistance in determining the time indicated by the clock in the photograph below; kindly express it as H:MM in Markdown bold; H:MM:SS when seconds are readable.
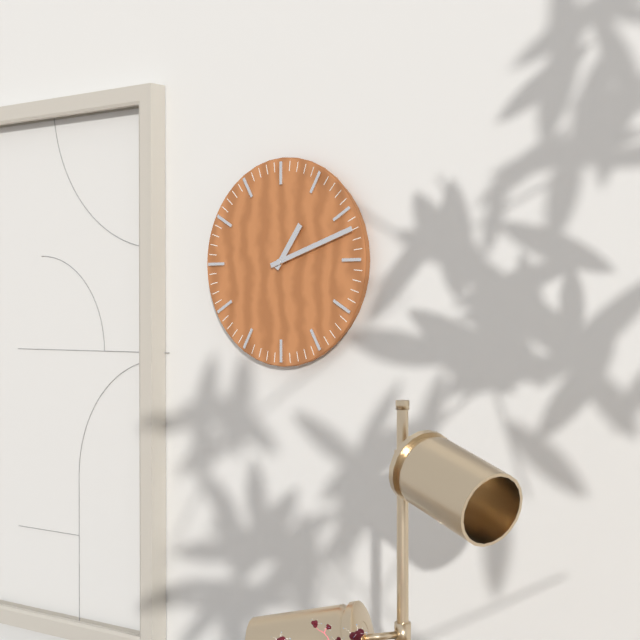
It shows **1:12**
